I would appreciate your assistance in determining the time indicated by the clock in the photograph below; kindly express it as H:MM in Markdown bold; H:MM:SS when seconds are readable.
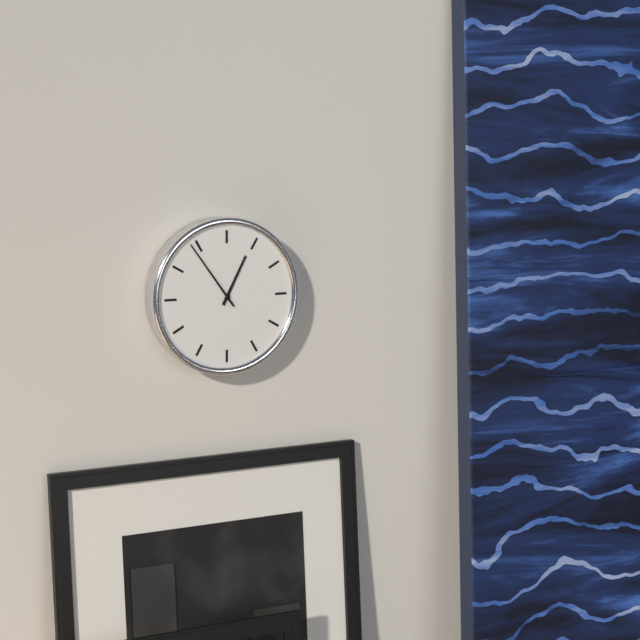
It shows **12:54**
